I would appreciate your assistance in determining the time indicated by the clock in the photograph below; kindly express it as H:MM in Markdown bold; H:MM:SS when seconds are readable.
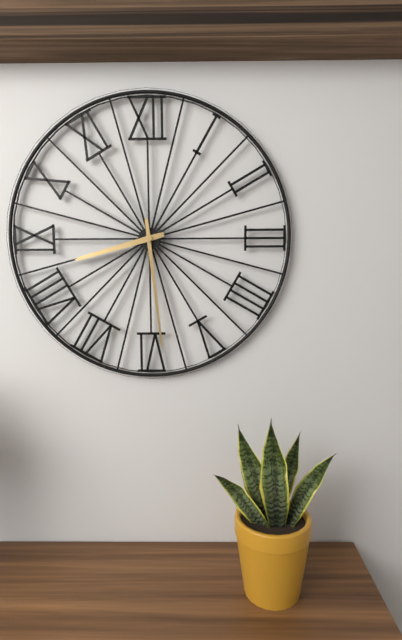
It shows **8:29**
